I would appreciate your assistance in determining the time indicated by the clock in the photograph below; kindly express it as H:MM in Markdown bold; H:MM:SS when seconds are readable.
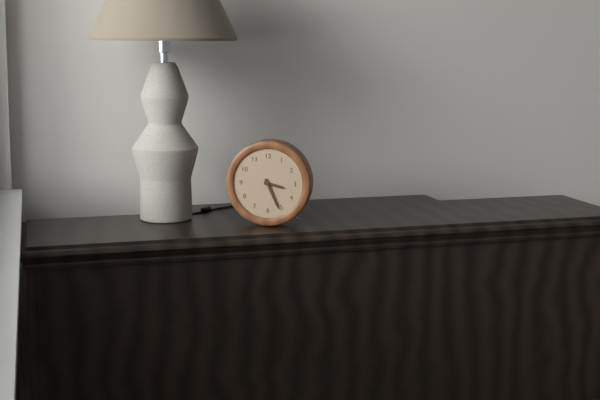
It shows **3:26**
